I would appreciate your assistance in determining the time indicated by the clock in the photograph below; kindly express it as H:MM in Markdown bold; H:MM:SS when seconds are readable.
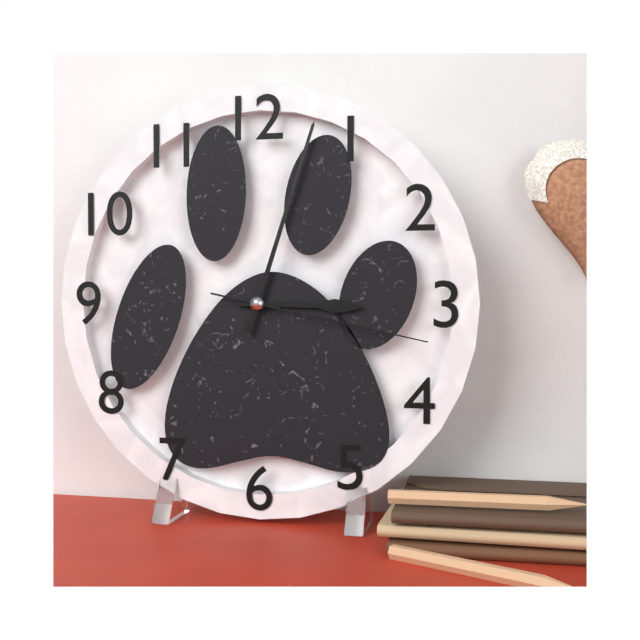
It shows **3:03:17**
